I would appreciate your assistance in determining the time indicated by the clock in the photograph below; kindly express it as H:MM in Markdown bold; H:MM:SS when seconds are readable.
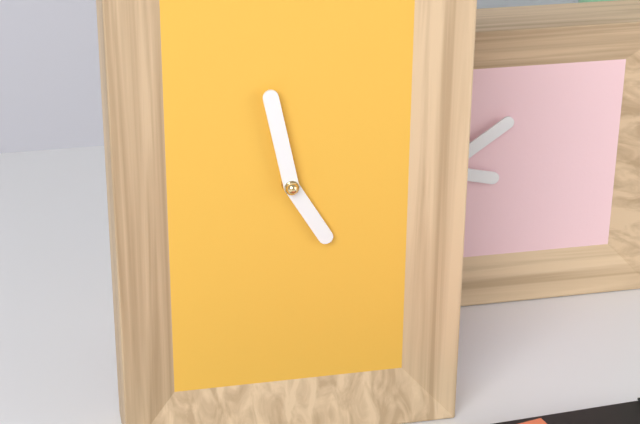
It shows **4:58**
